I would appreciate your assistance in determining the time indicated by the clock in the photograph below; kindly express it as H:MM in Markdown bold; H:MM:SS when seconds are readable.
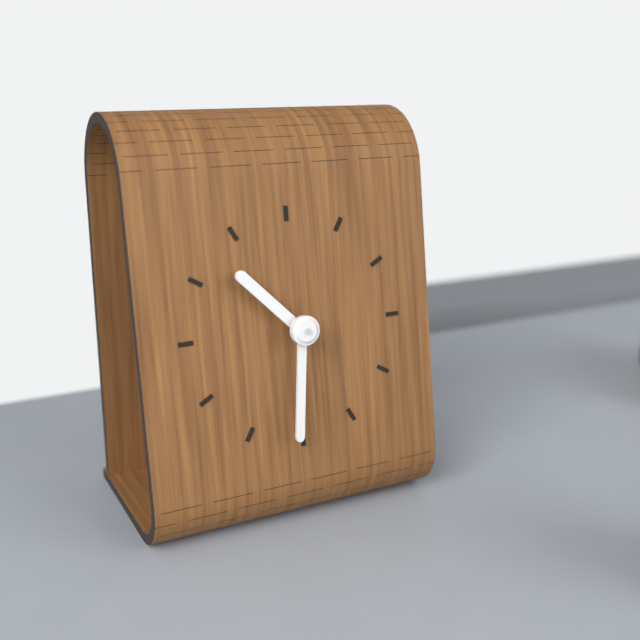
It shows **10:31**
